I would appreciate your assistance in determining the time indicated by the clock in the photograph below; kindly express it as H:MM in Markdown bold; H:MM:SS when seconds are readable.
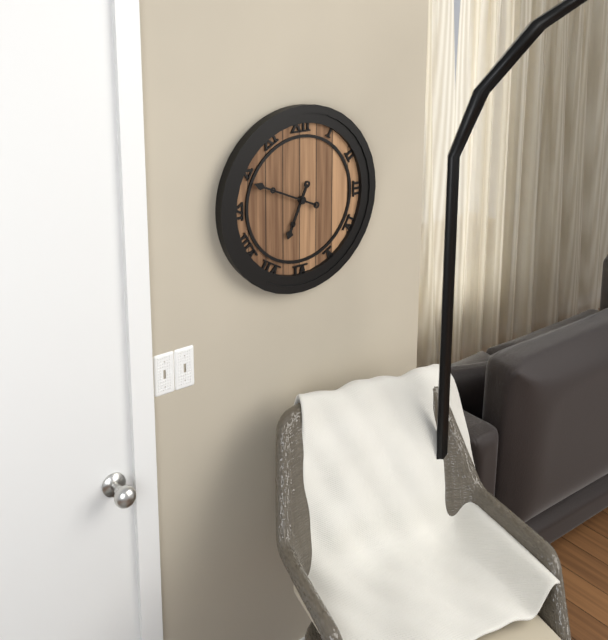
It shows **6:49**
